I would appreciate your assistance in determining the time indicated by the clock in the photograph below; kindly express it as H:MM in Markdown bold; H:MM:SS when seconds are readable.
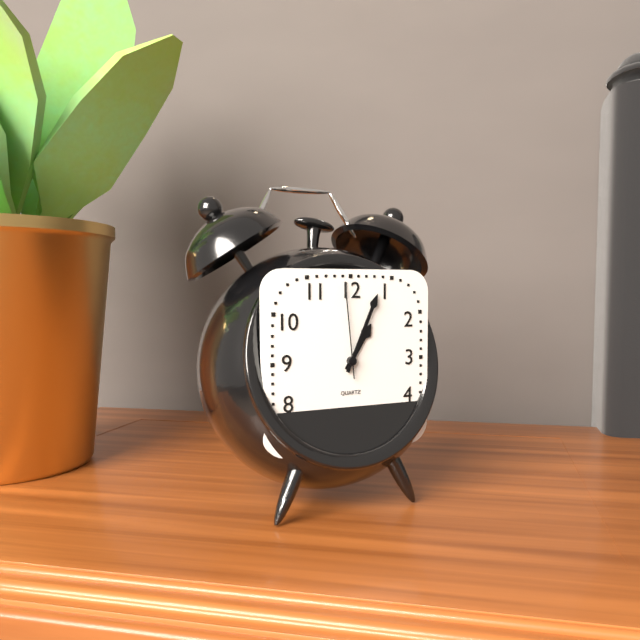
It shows **1:04:59**
